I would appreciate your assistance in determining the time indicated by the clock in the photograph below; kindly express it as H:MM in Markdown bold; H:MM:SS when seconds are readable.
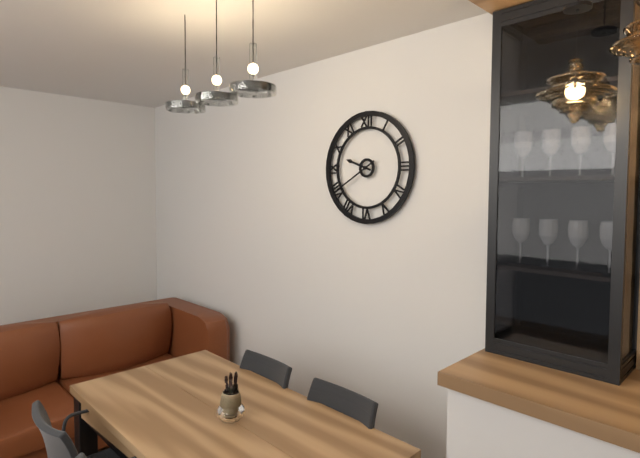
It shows **9:40**
